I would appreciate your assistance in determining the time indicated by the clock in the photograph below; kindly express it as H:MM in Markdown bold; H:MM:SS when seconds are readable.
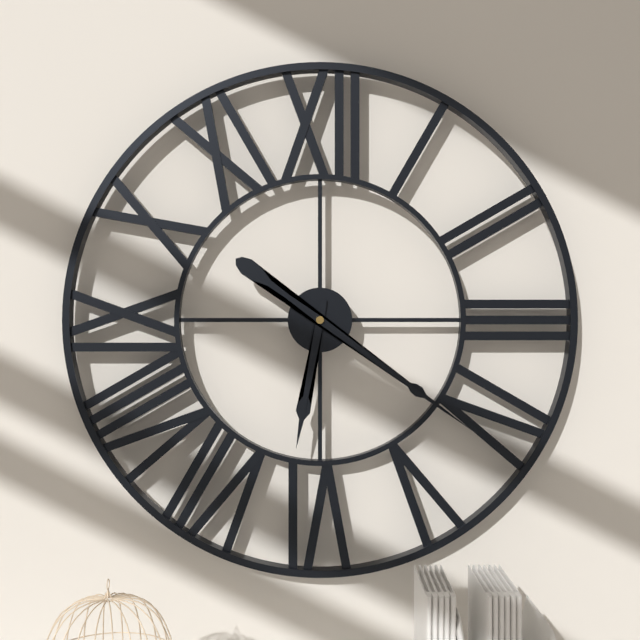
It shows **6:21**
